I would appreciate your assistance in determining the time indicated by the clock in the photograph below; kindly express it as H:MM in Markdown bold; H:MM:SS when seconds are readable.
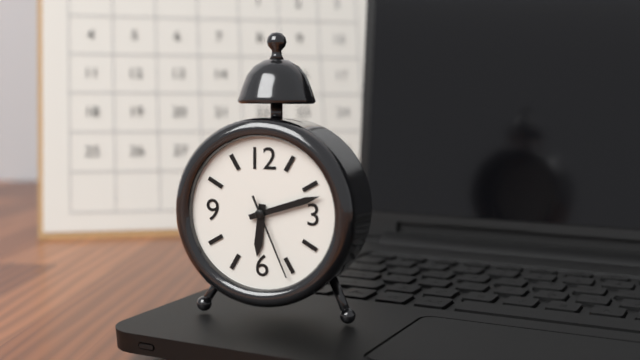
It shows **6:12:26**
